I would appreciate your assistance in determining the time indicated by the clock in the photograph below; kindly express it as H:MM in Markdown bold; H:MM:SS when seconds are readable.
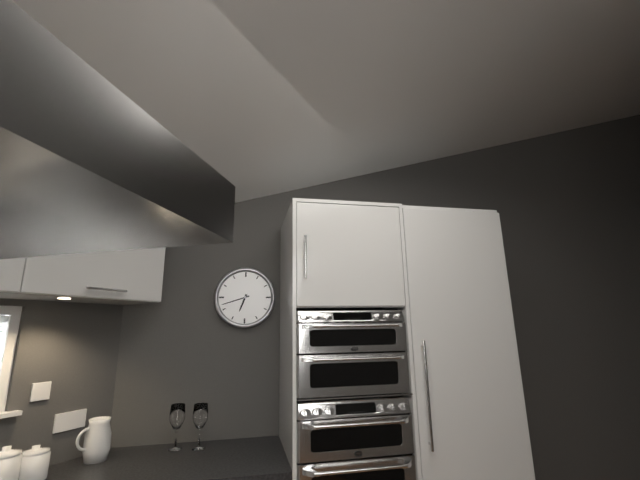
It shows **6:42**
